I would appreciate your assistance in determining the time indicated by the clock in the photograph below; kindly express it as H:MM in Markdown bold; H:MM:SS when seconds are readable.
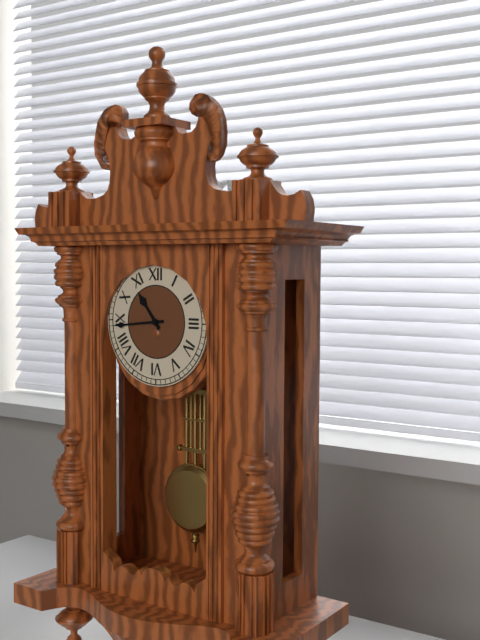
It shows **10:44**
